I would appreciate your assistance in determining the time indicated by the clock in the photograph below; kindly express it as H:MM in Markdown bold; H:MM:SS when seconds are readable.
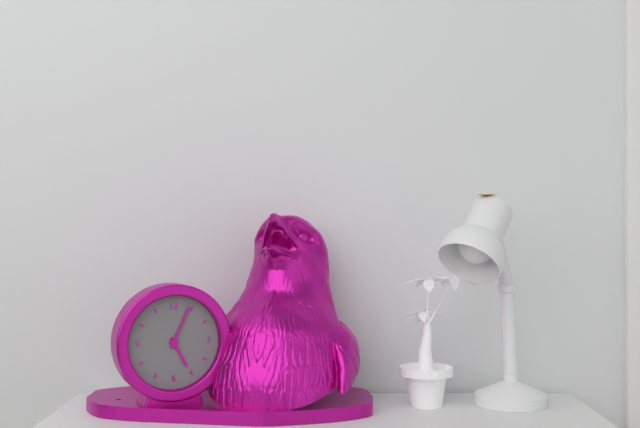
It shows **5:04**
